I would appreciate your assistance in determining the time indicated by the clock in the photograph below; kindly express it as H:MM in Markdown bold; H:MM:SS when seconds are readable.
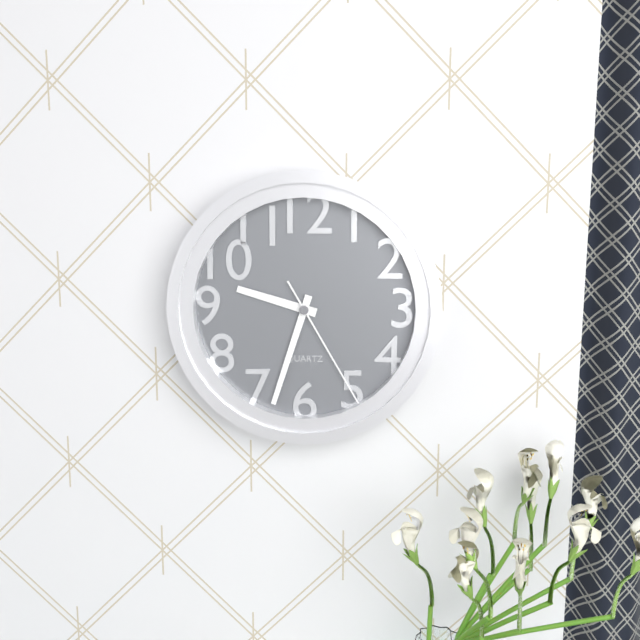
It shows **9:33:25**
